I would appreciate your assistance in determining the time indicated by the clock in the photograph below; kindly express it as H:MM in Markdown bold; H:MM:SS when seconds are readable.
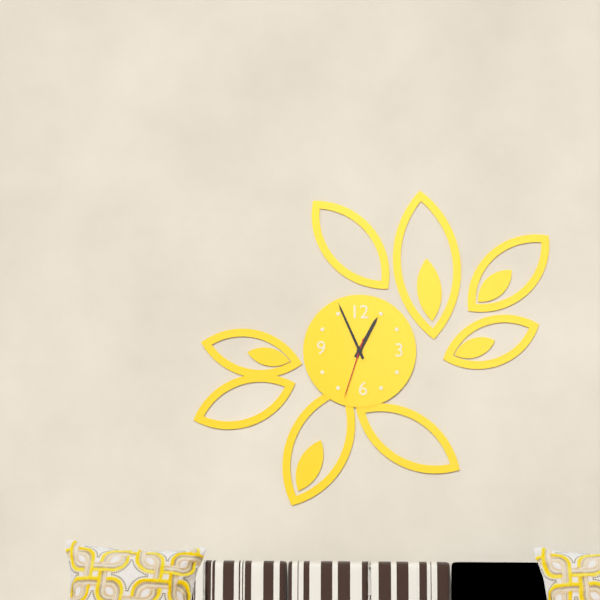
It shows **12:56:33**
